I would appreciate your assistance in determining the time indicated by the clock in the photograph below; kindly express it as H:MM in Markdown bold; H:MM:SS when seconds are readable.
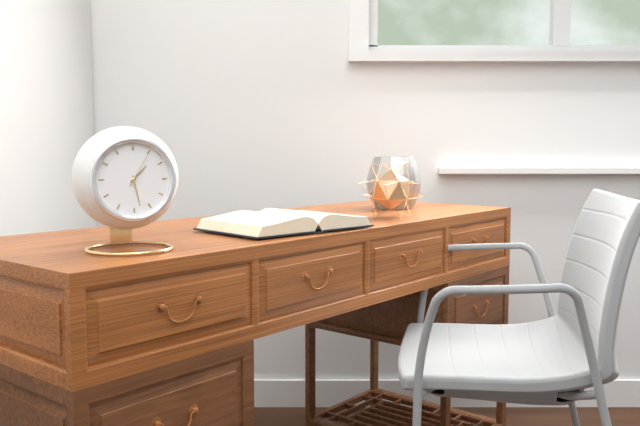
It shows **1:28**
